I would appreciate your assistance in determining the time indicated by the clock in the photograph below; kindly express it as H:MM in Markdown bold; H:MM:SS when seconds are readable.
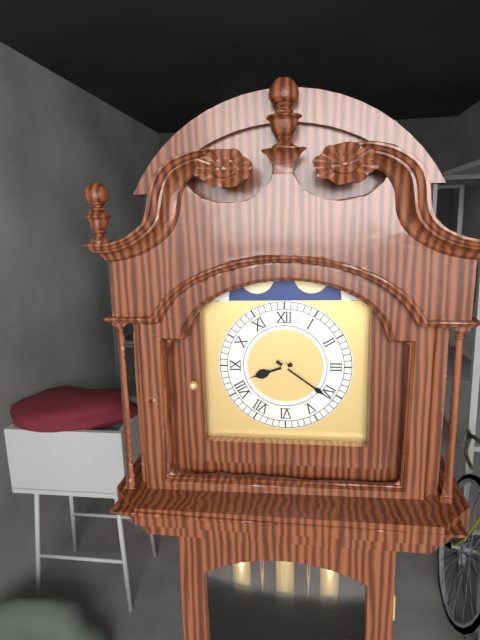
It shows **8:21**
